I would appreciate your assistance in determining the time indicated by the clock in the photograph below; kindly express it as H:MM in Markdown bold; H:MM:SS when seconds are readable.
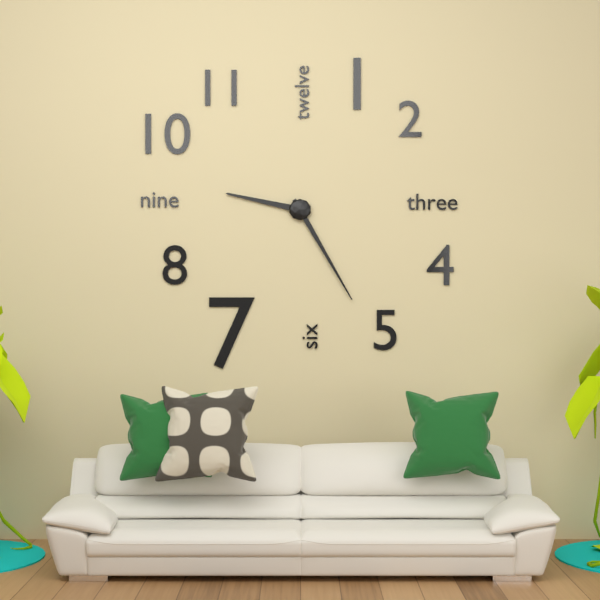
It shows **9:25**
